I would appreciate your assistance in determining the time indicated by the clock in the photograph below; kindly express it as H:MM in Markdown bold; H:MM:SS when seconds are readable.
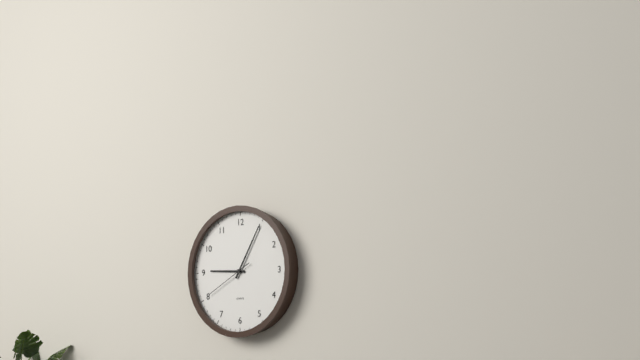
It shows **9:05**
